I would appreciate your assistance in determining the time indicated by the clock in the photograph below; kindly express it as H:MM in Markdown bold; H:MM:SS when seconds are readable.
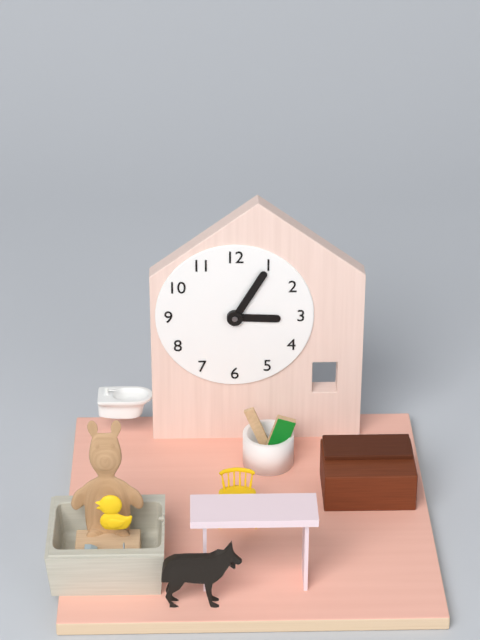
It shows **3:05**
